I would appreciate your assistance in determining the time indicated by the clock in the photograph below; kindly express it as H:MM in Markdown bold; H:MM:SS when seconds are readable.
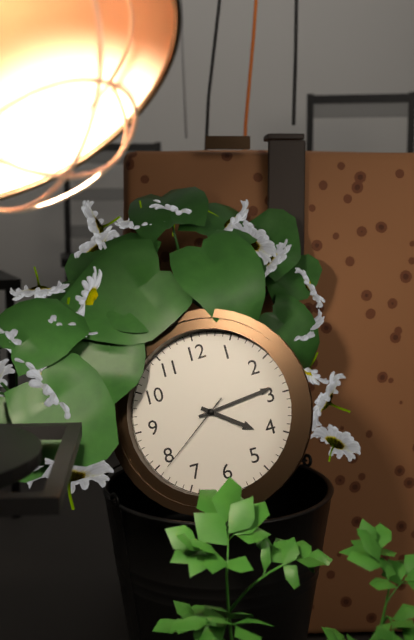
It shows **4:14:39**
